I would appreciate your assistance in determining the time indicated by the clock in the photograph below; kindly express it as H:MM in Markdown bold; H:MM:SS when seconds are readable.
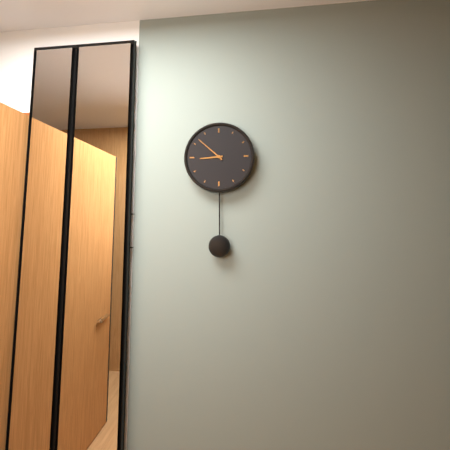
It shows **8:52**
